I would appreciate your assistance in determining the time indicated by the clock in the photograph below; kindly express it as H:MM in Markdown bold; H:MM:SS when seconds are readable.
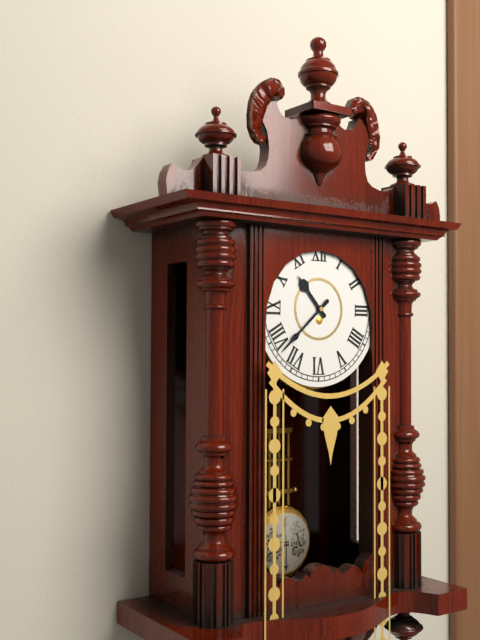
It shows **10:38**
